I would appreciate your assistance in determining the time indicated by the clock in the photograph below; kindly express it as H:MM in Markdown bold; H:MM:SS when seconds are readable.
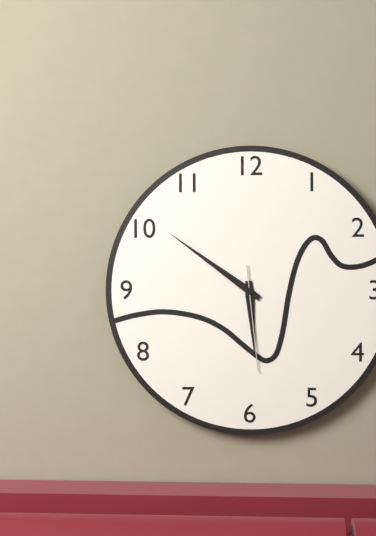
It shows **5:51:29**
